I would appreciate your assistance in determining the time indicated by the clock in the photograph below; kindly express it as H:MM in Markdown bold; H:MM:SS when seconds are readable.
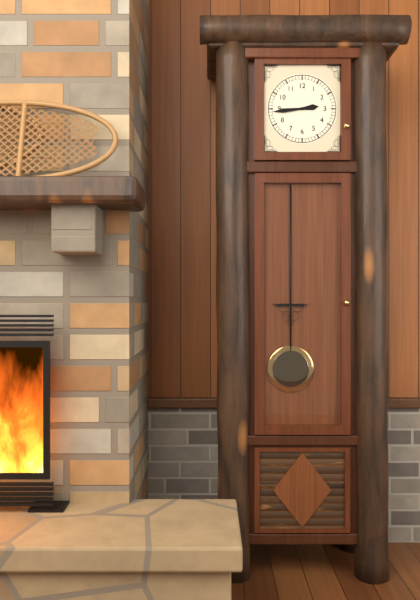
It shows **2:44**
